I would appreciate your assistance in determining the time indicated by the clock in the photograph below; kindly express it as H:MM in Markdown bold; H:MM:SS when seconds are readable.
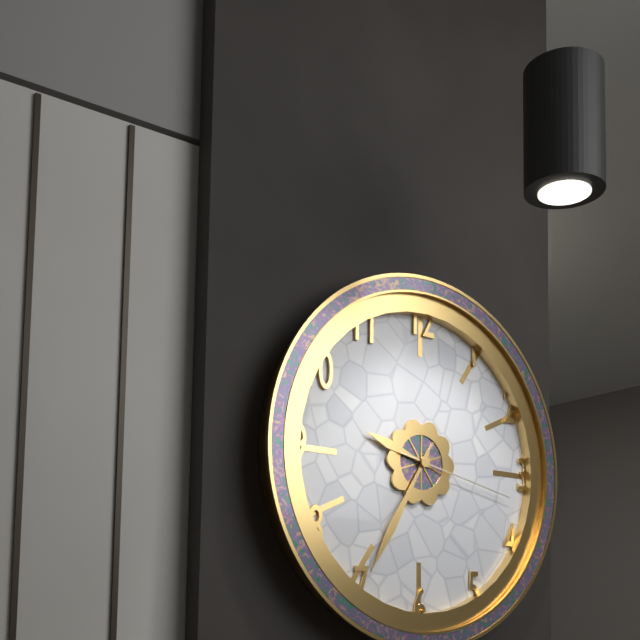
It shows **9:35:17**
